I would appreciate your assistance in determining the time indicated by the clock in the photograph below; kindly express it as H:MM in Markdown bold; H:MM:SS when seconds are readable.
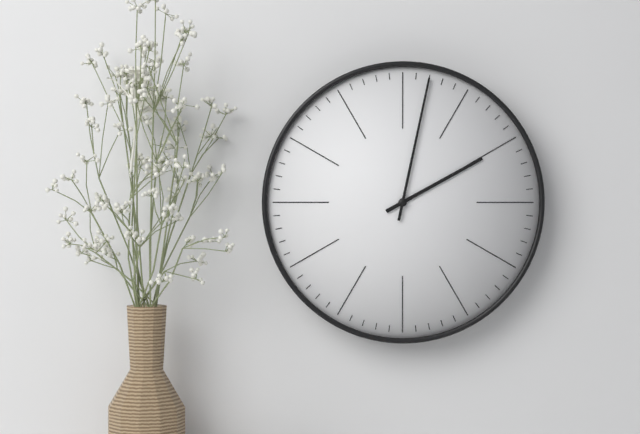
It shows **2:02**
